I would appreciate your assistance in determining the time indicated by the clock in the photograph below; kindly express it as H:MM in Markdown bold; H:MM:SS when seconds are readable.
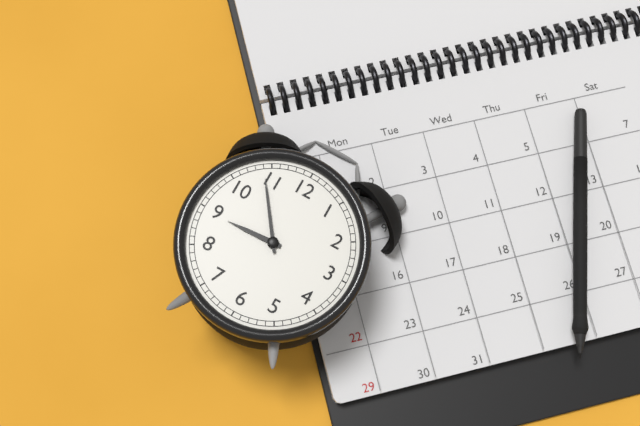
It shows **8:54**
